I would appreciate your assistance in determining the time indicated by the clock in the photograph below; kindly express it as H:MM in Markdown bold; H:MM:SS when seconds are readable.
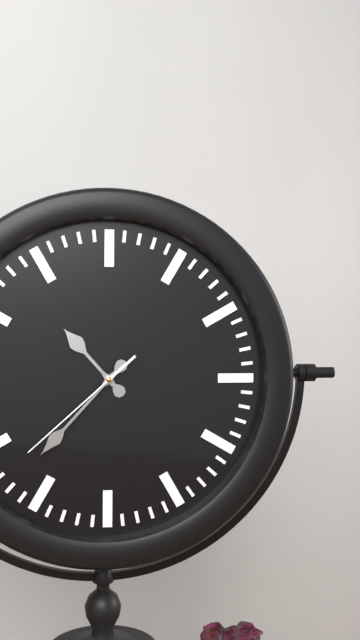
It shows **10:37:38**
